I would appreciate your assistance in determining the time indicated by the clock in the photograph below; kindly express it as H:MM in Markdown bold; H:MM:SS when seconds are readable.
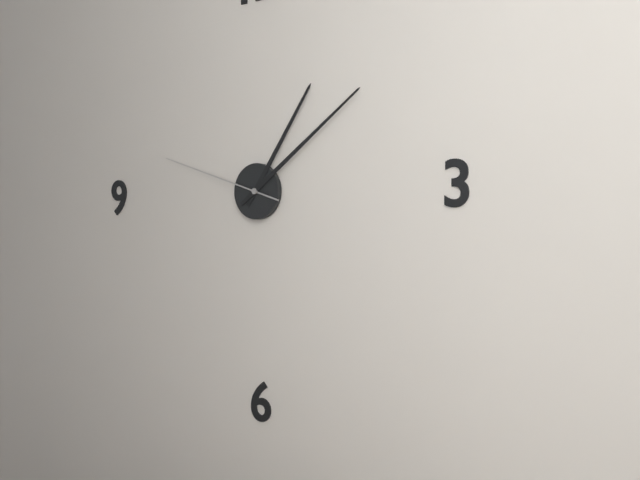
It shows **1:09:48**
